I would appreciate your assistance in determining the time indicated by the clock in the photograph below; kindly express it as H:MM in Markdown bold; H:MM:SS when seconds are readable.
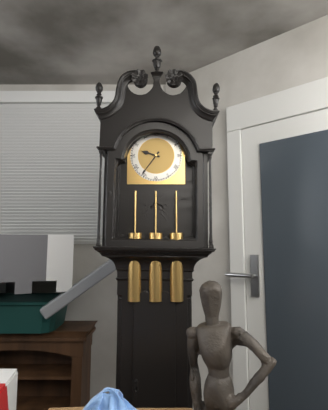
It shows **9:36**
